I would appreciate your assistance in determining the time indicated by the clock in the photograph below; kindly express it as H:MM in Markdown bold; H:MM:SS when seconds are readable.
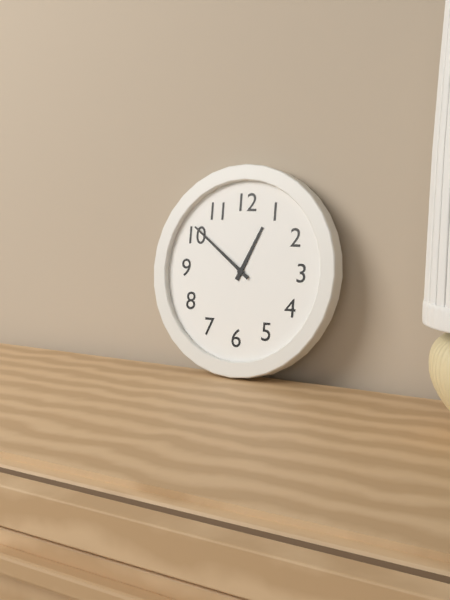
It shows **12:51**
